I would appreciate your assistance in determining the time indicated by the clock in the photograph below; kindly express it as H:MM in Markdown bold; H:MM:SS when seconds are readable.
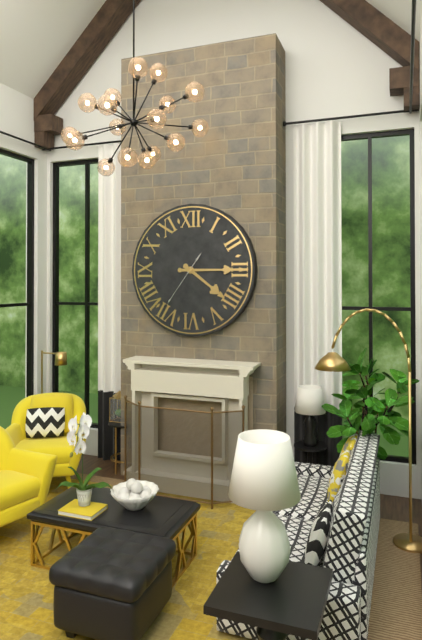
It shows **4:15:36**
